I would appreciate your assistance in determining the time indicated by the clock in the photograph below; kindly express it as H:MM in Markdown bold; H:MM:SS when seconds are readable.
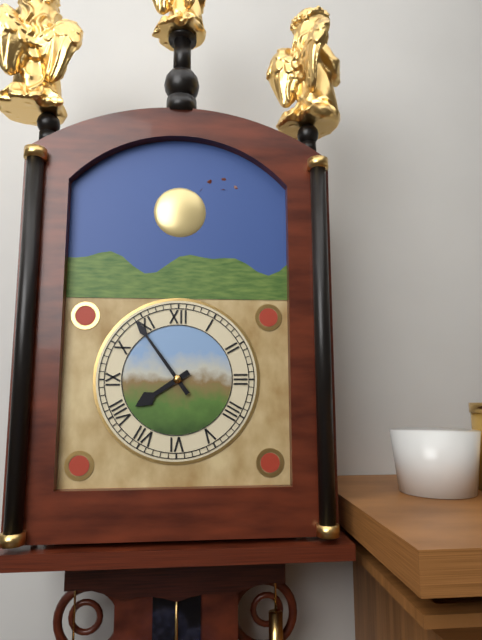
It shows **7:54**
